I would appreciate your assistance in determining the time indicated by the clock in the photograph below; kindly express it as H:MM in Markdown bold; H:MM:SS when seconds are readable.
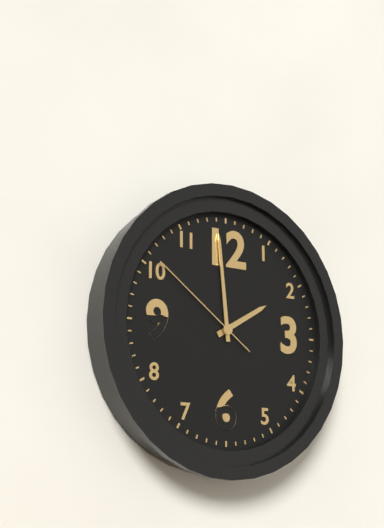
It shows **1:59:51**
